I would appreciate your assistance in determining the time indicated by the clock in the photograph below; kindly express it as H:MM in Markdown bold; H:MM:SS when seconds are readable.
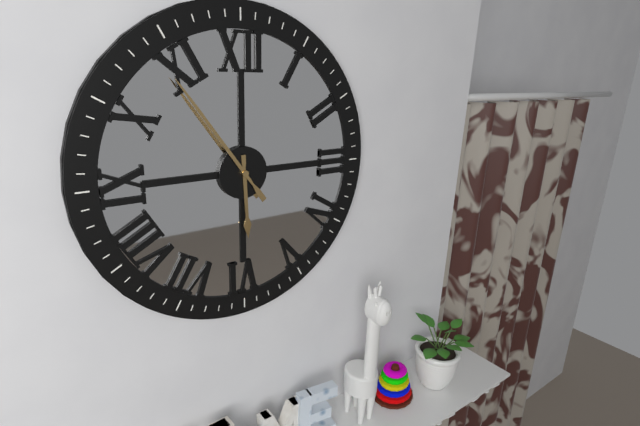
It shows **5:54**
